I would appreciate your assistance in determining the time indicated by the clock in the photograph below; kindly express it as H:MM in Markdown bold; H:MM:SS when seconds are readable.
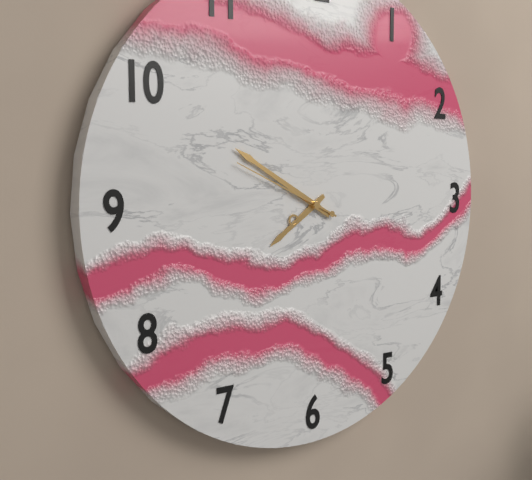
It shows **7:50:49**
